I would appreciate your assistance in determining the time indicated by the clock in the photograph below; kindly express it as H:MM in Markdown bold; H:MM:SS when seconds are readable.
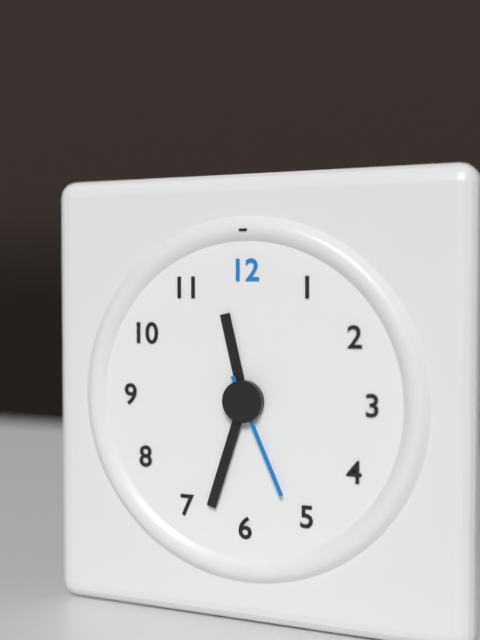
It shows **11:33:26**
